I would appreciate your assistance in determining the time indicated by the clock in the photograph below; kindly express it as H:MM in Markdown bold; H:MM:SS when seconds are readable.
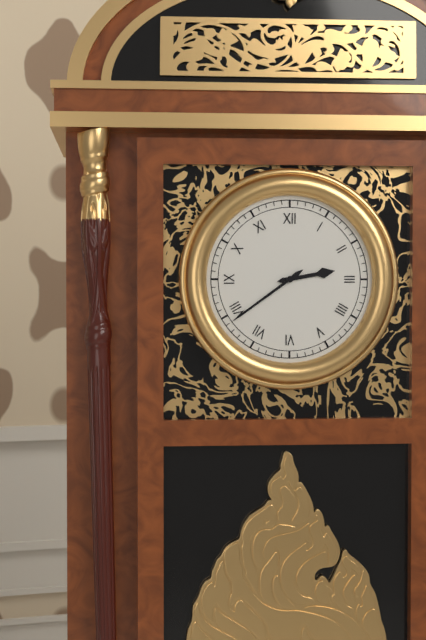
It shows **2:39**
